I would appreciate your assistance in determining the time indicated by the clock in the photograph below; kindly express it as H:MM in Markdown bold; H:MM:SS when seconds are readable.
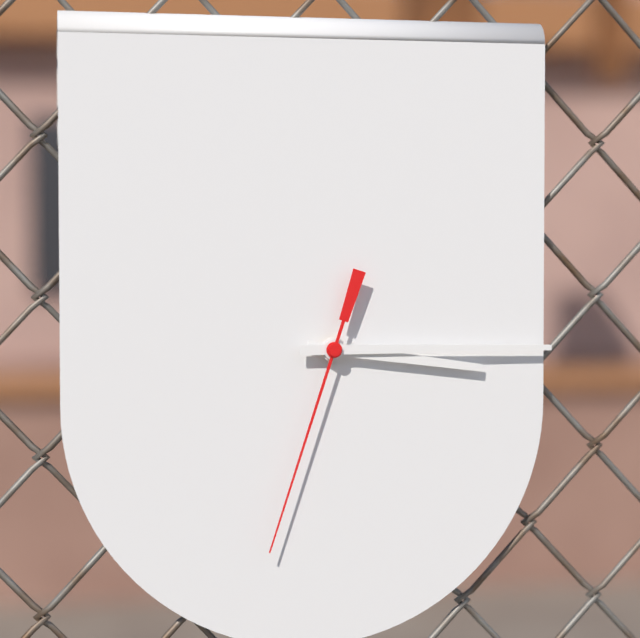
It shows **3:15:33**
